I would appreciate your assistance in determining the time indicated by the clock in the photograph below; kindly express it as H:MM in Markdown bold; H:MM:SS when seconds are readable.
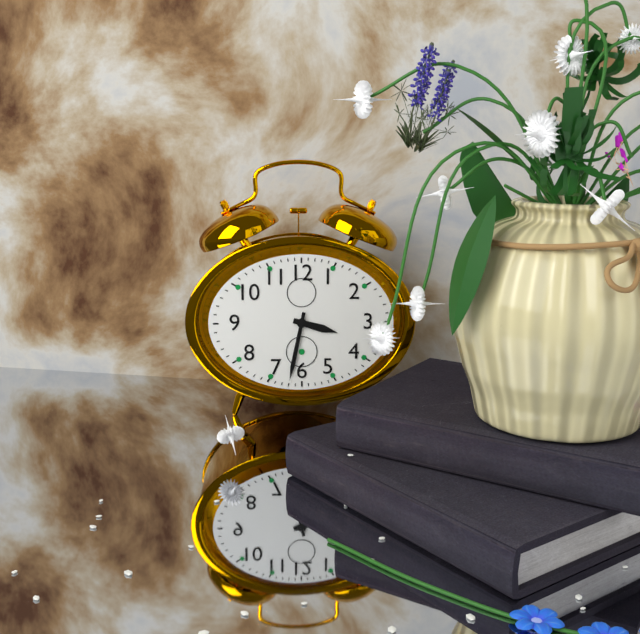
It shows **3:32**
